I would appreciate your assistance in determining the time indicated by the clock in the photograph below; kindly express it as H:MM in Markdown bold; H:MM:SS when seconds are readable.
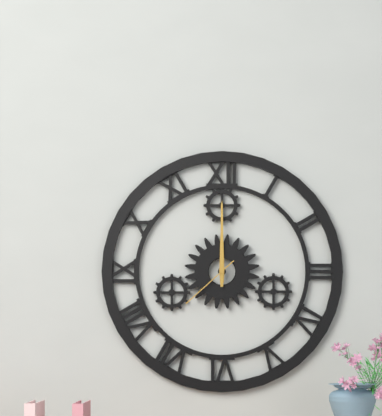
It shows **12:00:38**
